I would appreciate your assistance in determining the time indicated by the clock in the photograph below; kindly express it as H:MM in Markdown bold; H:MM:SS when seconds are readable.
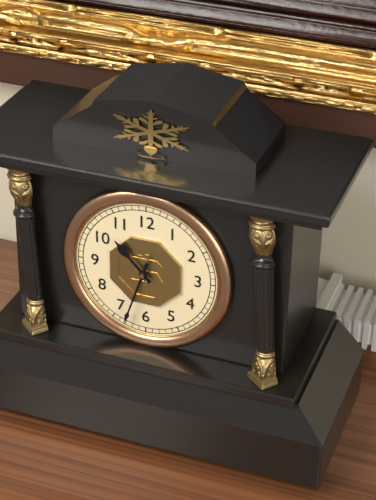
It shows **10:33**
